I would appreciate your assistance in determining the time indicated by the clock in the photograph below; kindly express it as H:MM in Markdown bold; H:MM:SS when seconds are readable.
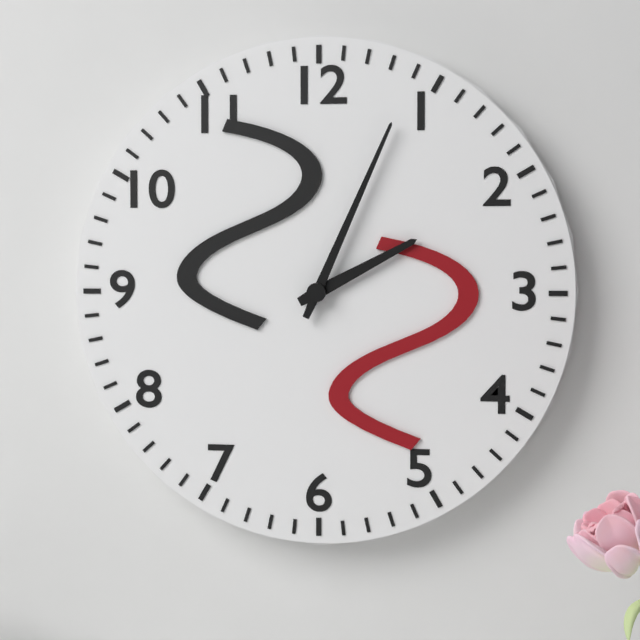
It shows **2:04**
